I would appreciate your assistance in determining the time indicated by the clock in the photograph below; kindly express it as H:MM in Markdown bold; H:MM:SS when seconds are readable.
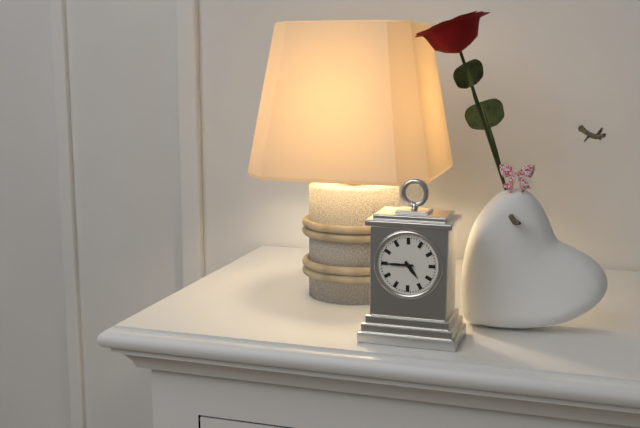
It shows **4:45**
